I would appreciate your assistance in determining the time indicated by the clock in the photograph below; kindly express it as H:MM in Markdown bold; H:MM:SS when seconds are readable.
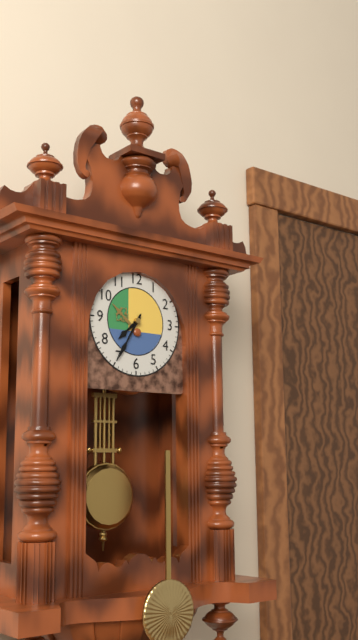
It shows **7:35**
